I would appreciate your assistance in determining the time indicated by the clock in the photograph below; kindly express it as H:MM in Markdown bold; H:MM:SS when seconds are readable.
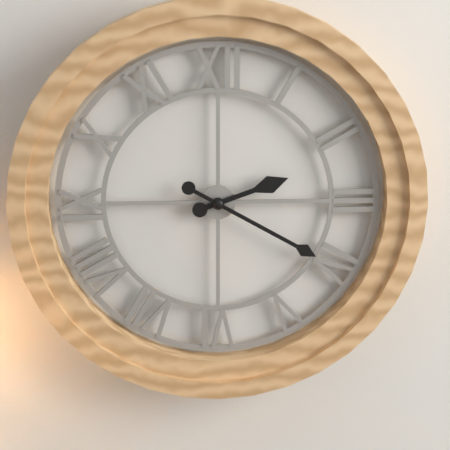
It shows **2:20**
